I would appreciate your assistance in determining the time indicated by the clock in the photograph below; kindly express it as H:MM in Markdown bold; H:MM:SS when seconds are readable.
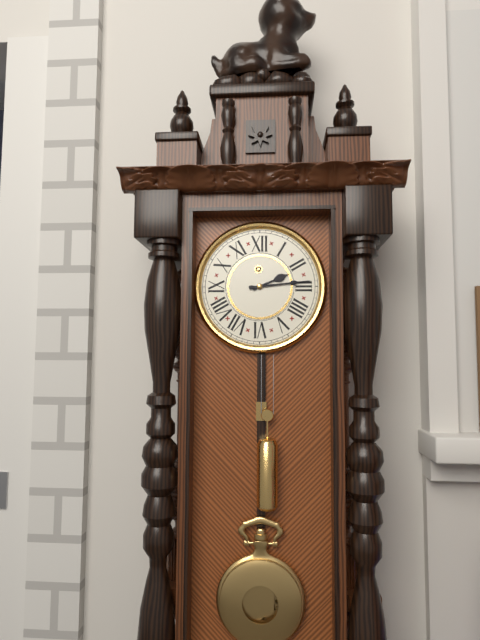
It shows **2:14**
